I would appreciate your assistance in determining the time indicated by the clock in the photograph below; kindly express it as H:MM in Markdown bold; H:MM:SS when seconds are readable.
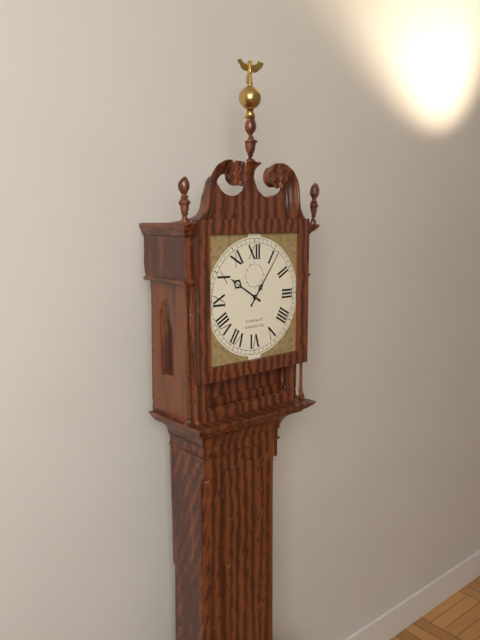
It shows **10:06**
